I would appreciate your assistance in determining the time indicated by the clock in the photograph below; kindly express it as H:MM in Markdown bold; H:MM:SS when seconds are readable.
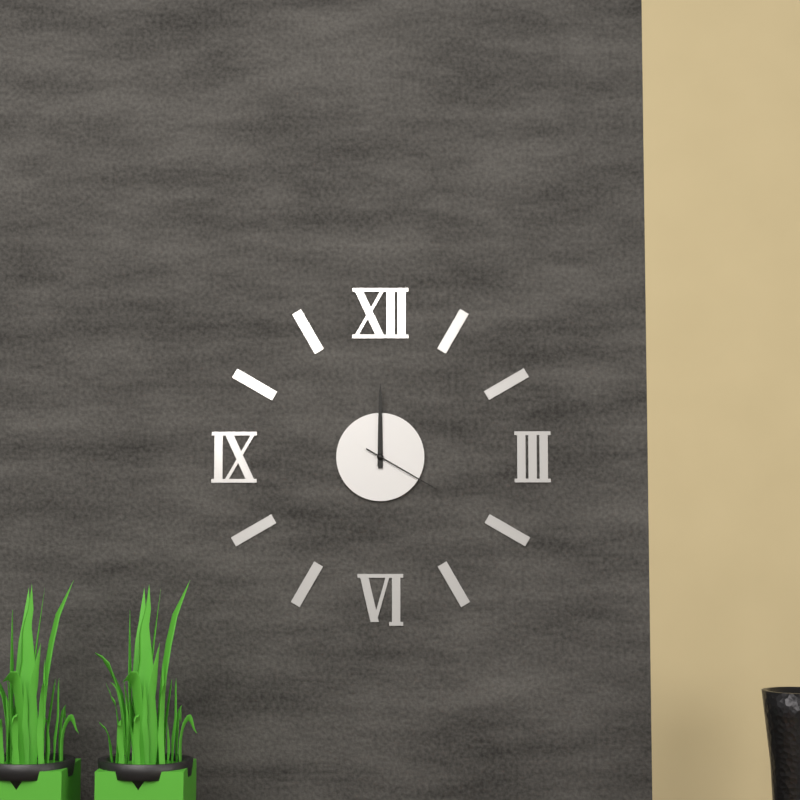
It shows **12:00:20**
